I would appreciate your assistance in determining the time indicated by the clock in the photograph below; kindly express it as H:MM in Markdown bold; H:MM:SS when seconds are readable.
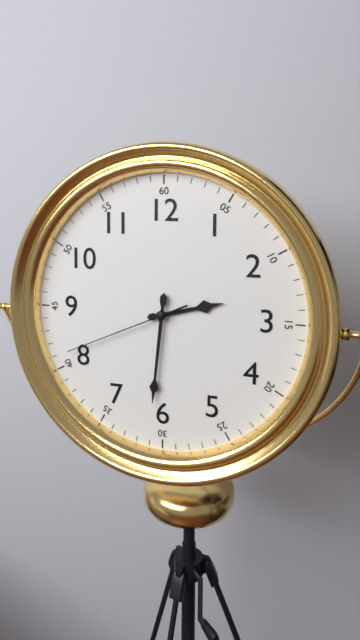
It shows **2:31:41**
